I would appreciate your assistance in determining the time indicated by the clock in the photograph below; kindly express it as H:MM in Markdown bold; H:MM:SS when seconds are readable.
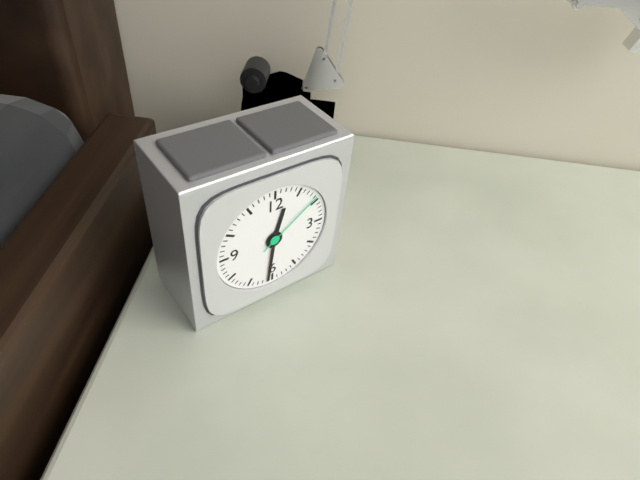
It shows **12:31:09**
